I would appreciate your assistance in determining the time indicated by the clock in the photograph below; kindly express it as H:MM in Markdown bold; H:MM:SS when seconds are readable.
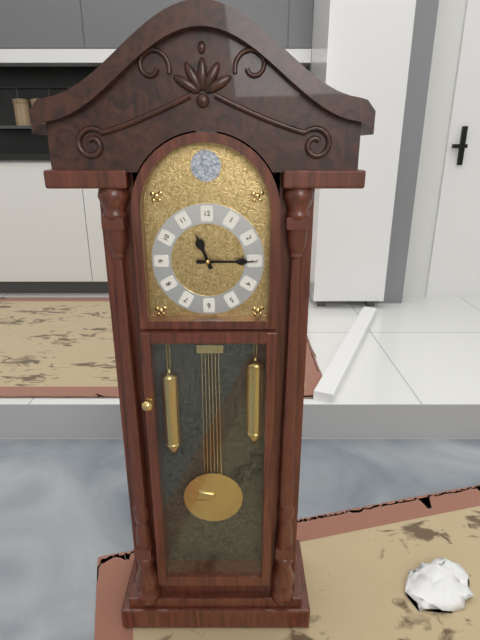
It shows **11:15**
